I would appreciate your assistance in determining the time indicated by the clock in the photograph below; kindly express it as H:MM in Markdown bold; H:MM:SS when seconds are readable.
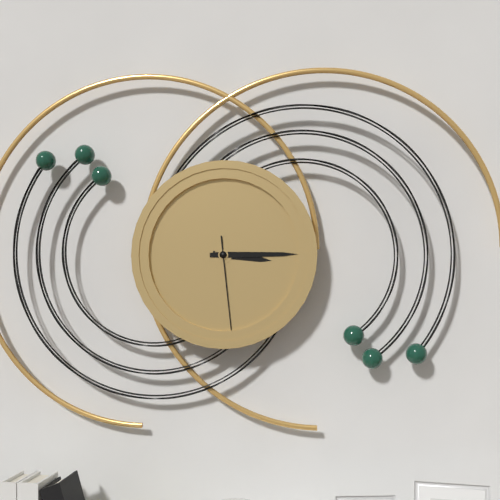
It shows **3:15:29**
